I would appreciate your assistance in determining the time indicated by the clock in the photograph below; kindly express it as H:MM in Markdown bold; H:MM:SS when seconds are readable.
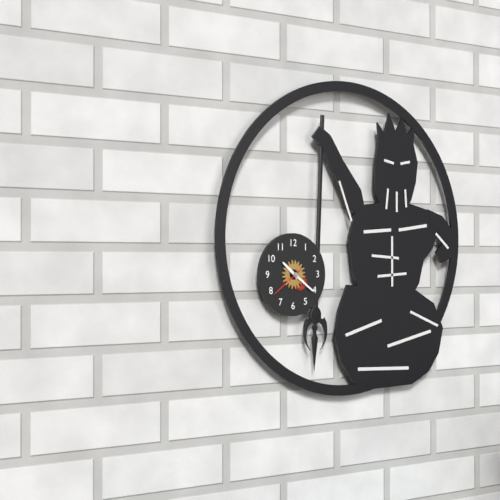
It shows **10:21**
